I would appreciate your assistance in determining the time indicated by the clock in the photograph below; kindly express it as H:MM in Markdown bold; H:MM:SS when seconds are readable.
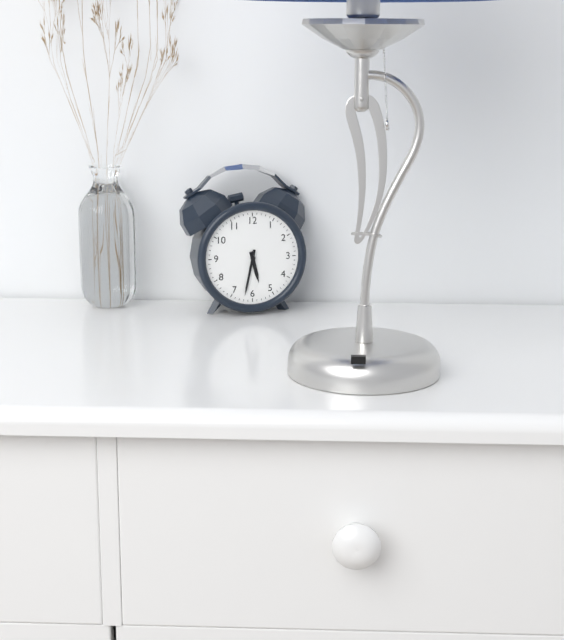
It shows **5:32**
